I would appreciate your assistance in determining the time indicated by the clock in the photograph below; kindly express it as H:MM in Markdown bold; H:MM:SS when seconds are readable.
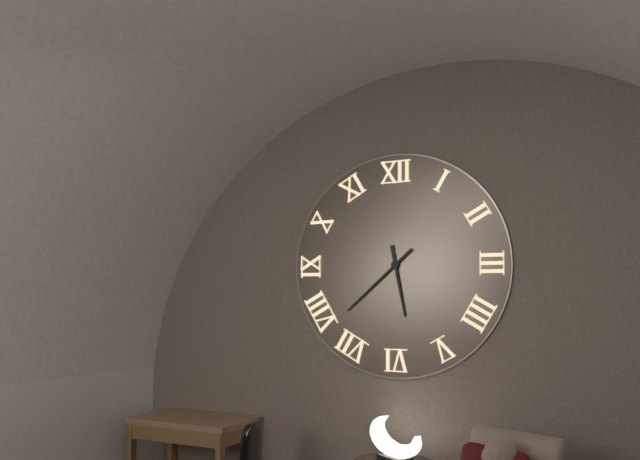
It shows **5:38**
